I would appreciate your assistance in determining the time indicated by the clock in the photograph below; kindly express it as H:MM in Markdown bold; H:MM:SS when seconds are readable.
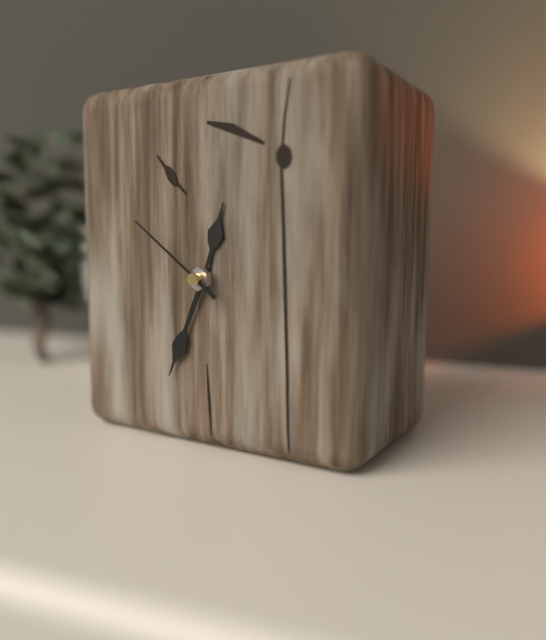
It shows **12:34:51**
